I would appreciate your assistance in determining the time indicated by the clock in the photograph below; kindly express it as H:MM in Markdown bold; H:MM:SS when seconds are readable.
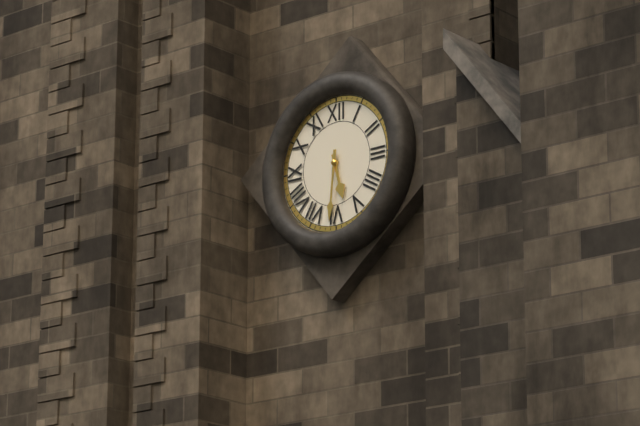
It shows **5:31**
